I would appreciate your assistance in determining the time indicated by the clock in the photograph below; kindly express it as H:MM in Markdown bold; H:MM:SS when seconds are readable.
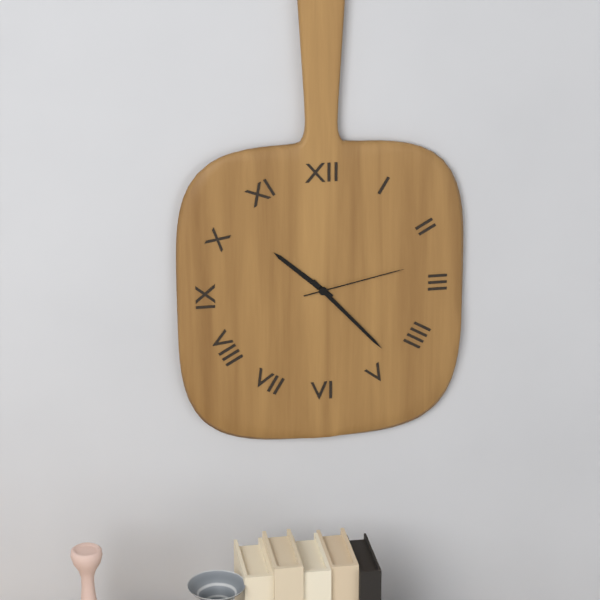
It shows **10:23:13**
